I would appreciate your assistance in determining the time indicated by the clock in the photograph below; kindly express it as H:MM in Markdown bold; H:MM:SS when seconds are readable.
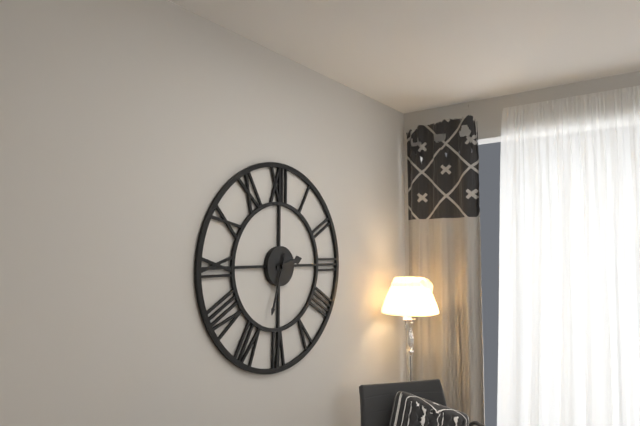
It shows **2:33**
